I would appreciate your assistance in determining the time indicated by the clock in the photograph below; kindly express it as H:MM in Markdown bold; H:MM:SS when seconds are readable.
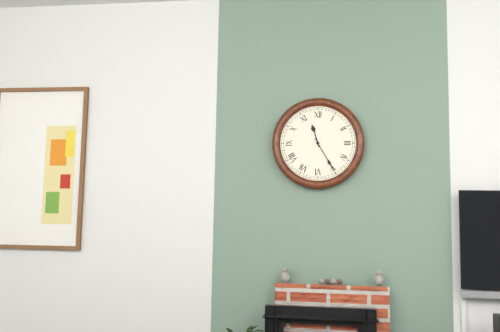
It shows **11:25**
